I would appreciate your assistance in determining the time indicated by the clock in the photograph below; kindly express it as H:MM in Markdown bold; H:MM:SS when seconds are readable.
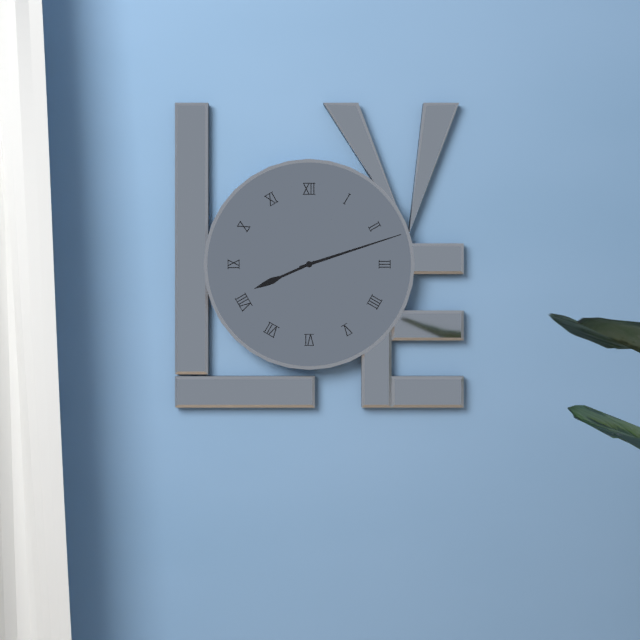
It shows **8:12**
